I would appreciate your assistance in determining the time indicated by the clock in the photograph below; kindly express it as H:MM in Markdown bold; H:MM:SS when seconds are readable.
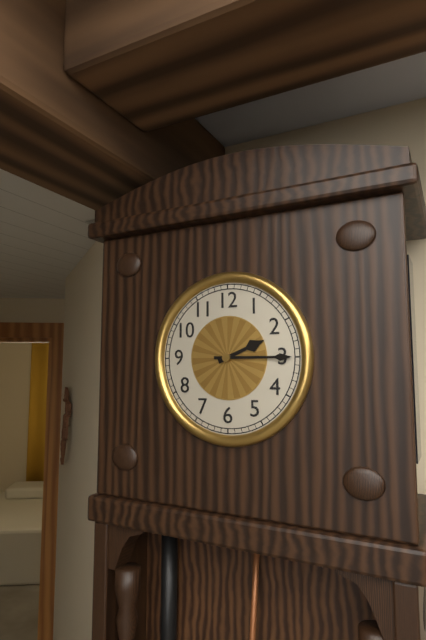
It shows **2:15**
